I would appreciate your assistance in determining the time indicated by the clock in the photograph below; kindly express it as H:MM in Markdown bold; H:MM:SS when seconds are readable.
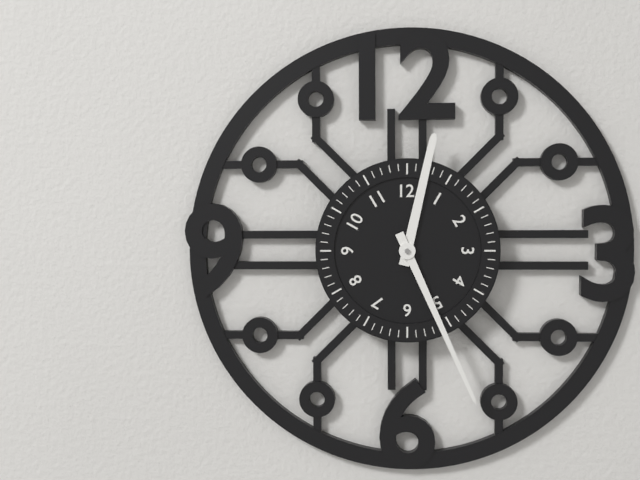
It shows **12:26**
